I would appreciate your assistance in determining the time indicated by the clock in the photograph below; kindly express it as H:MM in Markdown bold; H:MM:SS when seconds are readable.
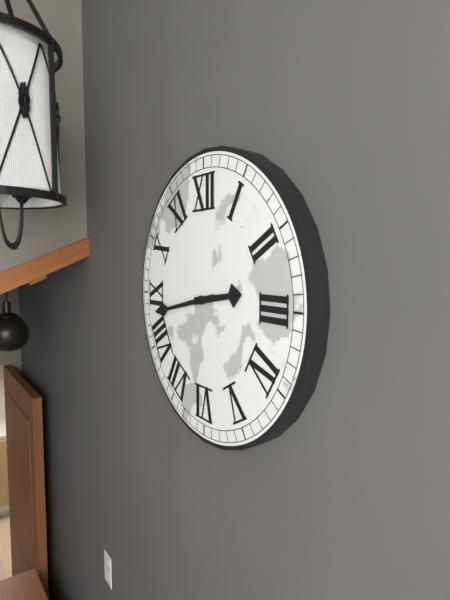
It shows **2:43**
